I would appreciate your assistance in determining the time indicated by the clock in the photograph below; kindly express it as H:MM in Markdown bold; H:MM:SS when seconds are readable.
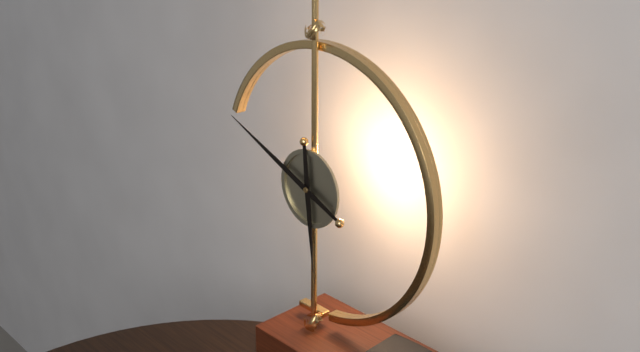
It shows **5:49**
